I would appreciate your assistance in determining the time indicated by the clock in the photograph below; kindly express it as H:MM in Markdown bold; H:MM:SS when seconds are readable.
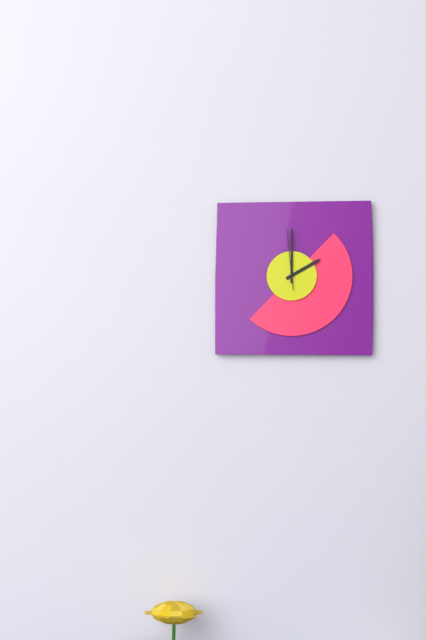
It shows **2:00:59**
